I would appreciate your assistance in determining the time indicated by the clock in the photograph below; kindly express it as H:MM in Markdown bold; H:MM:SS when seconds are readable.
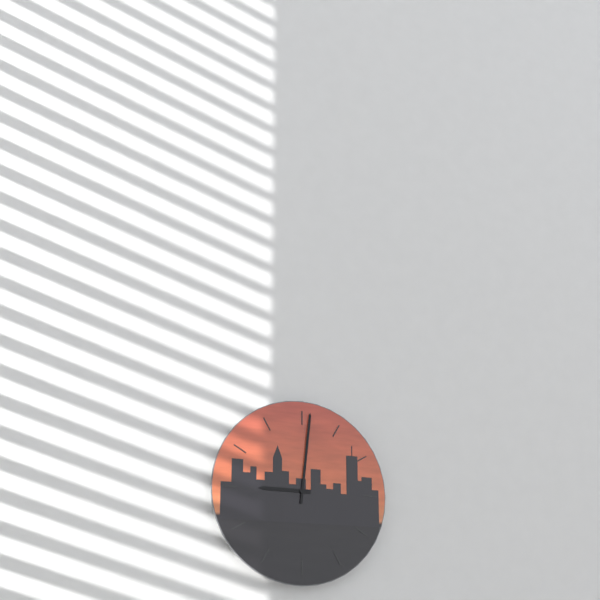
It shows **9:01**
